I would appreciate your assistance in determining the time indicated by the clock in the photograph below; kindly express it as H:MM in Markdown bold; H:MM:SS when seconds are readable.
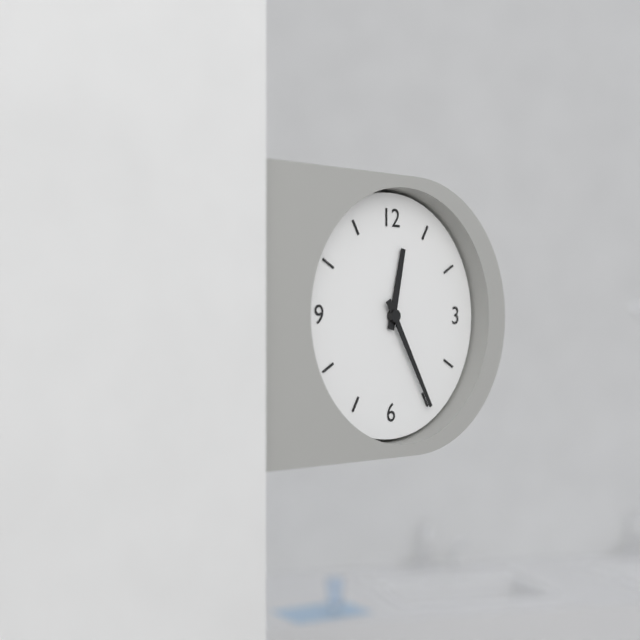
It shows **12:25**
